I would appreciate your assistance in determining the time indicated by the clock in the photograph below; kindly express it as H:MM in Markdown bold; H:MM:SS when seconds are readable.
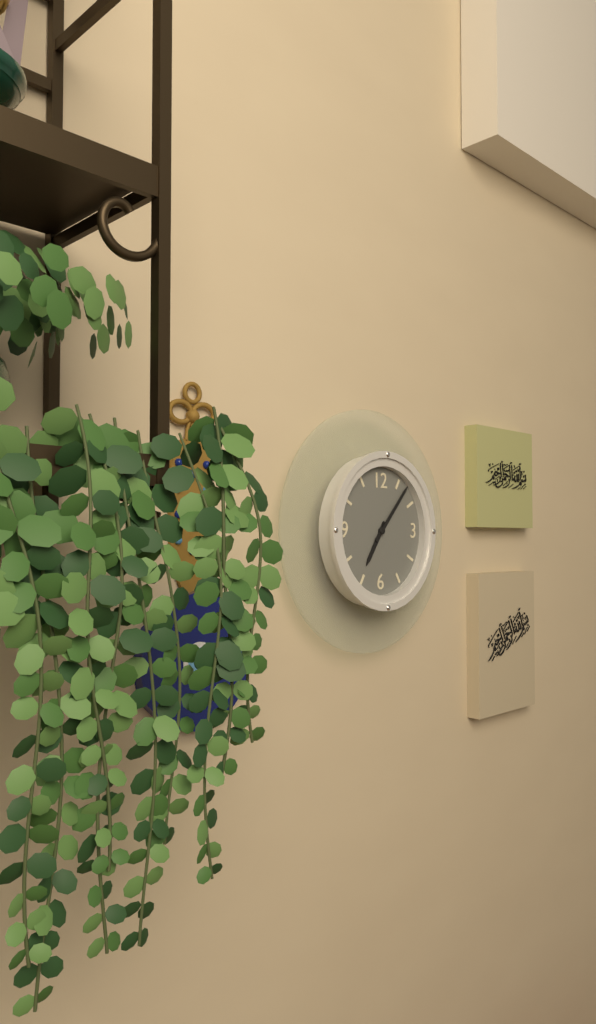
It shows **7:07**
